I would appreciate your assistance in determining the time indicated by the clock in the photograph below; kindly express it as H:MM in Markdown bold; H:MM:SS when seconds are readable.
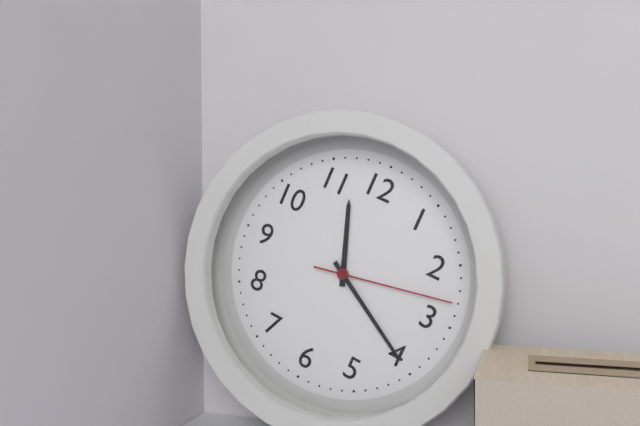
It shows **11:20:13**
